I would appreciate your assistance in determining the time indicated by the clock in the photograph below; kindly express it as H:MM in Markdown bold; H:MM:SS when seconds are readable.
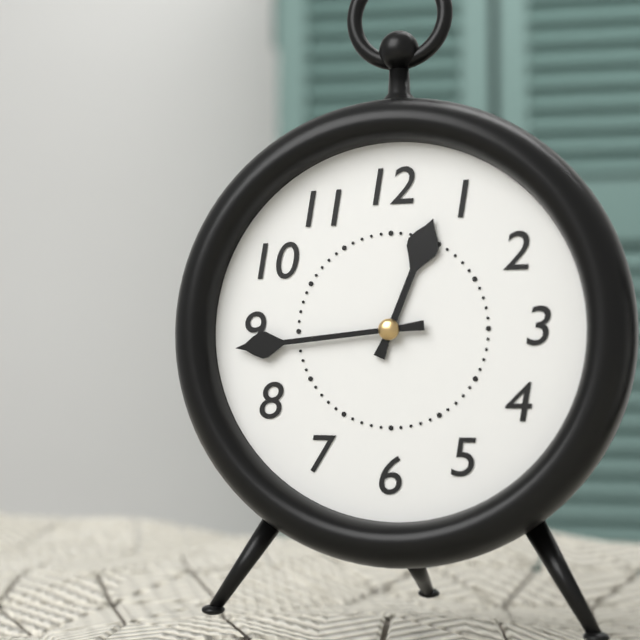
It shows **12:44**
